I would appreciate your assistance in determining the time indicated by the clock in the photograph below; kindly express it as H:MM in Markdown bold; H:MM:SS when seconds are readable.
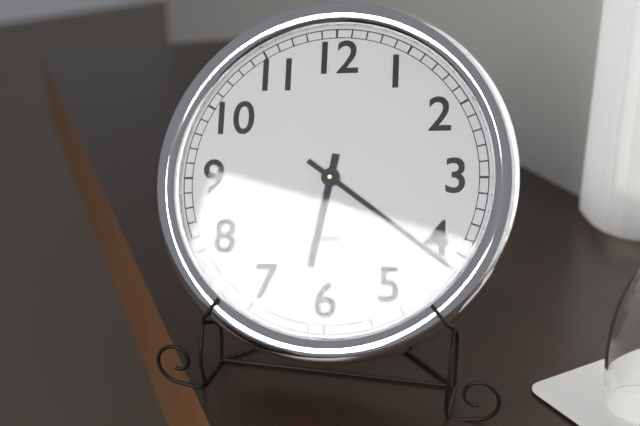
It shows **6:21**
